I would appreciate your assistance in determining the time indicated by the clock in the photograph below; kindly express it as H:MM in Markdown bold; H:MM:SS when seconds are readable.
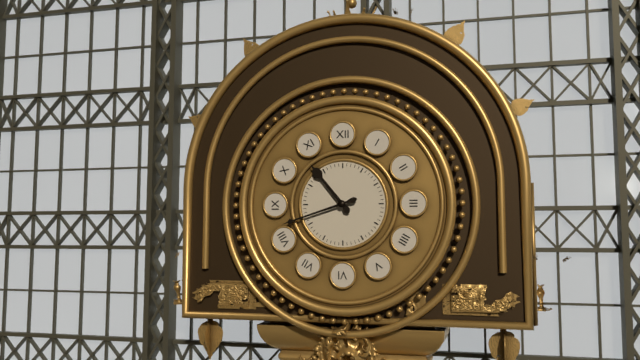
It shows **10:42**
